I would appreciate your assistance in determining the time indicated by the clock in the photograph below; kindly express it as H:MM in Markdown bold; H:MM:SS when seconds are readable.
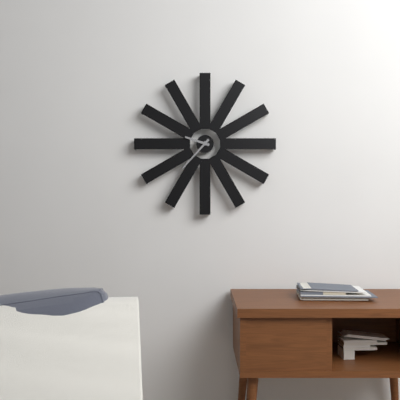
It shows **9:37**
